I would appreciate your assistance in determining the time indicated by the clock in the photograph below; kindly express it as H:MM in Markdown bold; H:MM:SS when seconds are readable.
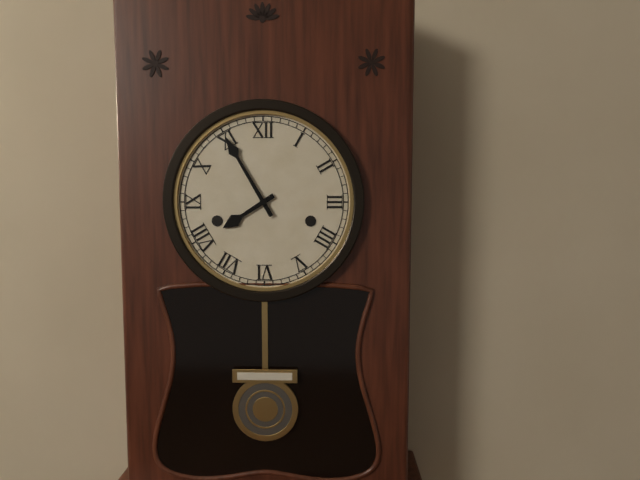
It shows **7:55**
